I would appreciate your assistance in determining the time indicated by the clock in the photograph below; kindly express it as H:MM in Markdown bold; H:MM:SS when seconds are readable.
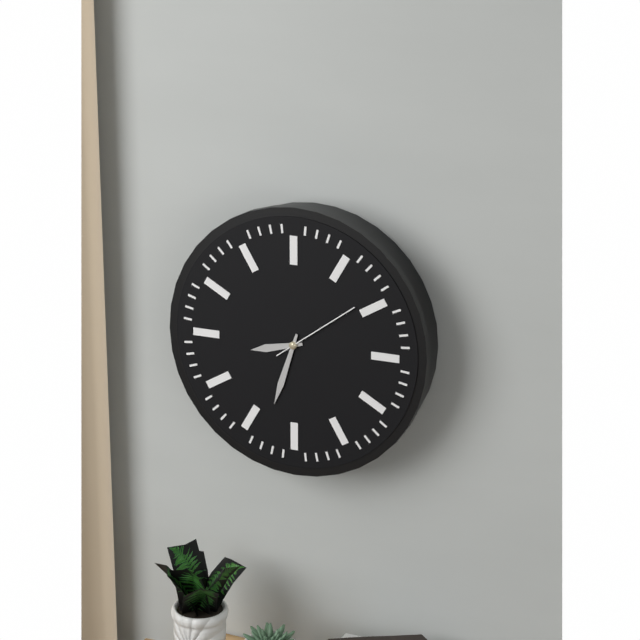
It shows **8:33:09**
